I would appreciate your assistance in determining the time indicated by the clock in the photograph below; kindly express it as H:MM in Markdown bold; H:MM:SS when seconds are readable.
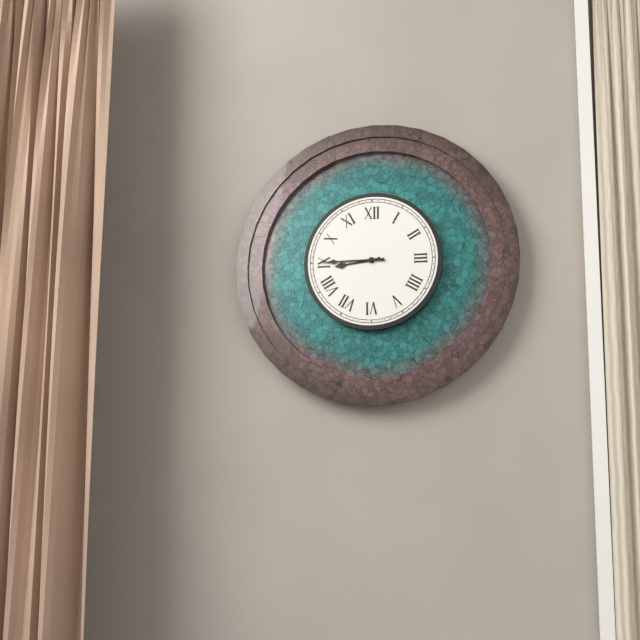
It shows **8:45**
